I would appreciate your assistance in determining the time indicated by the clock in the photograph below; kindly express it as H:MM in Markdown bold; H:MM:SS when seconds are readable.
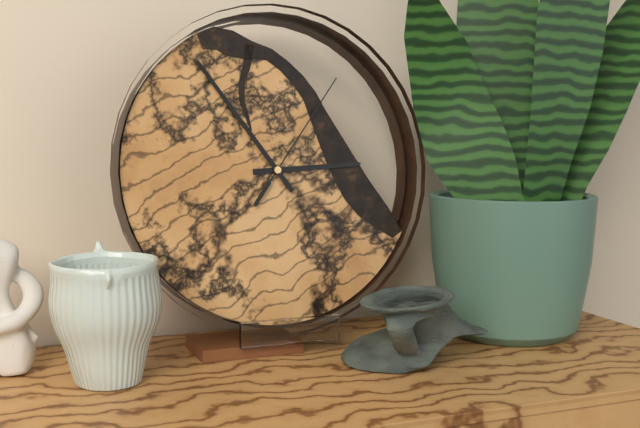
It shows **2:54:06**
